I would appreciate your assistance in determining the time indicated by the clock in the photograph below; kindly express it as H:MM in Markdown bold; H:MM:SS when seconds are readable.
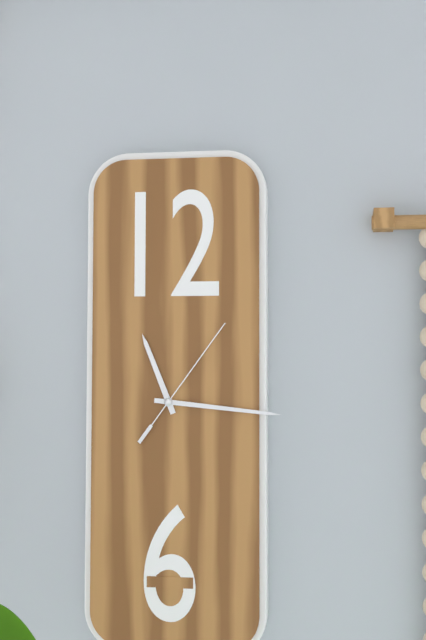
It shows **11:16:06**
